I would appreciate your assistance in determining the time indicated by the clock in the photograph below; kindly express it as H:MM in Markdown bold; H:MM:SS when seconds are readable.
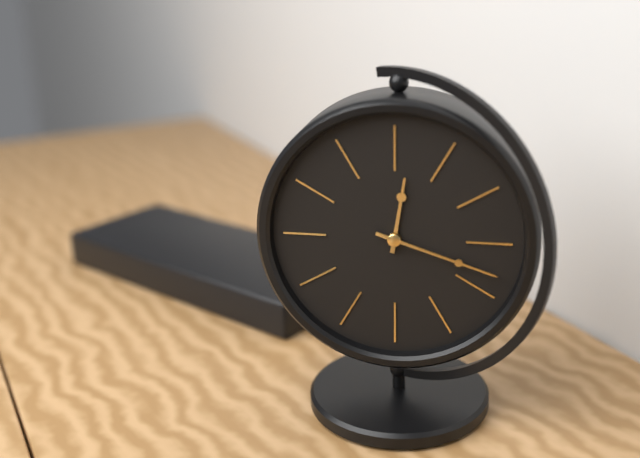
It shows **12:18**
